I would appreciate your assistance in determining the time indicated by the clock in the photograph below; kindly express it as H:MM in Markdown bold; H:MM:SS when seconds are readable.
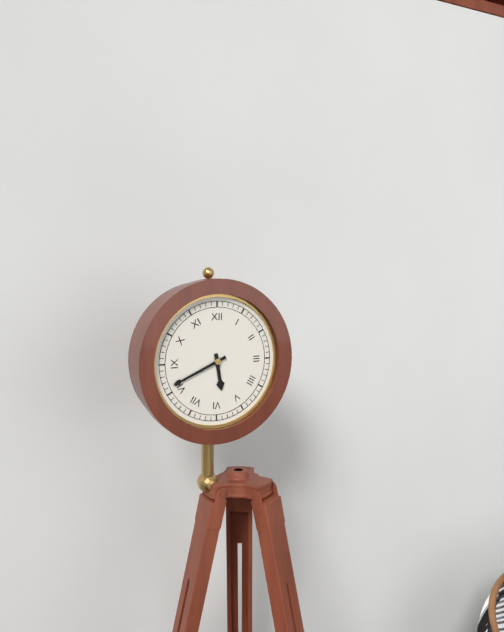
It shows **5:41**
